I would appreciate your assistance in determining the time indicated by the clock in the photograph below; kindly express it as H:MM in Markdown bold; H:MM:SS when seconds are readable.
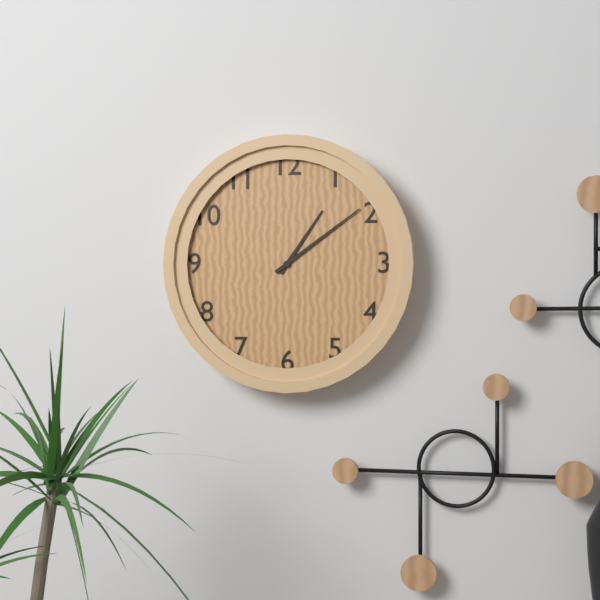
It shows **1:09**
